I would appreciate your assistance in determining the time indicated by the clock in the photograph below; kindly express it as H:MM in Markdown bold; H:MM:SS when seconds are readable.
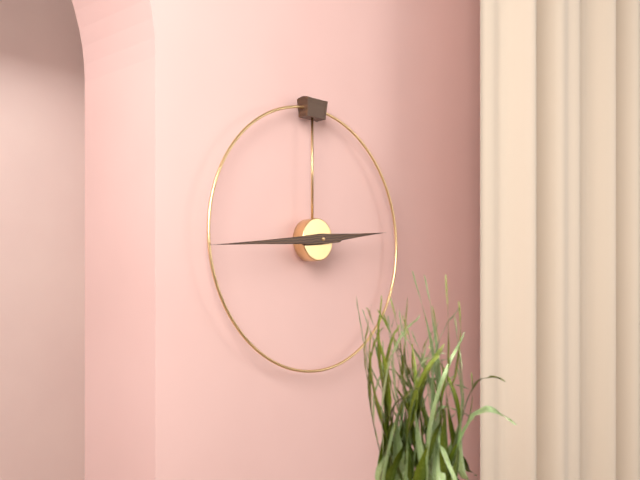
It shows **2:44**
